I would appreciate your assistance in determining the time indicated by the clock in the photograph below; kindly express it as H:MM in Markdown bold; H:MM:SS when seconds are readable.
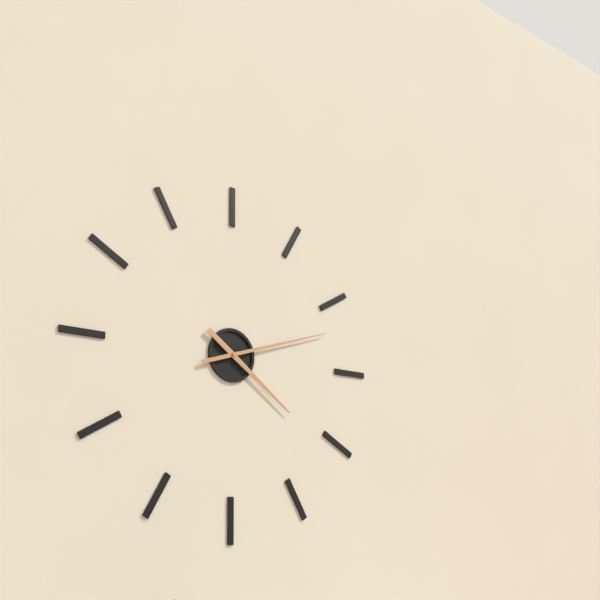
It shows **4:12**
